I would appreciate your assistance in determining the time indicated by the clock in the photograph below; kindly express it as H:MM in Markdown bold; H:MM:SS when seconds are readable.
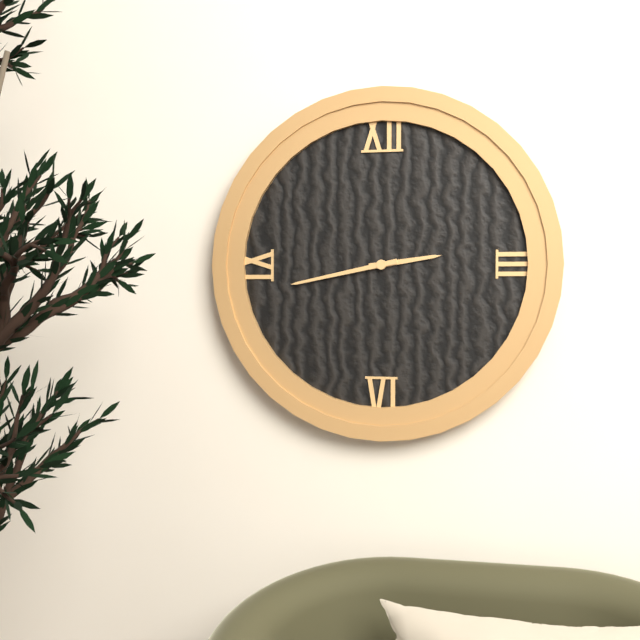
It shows **2:43**
